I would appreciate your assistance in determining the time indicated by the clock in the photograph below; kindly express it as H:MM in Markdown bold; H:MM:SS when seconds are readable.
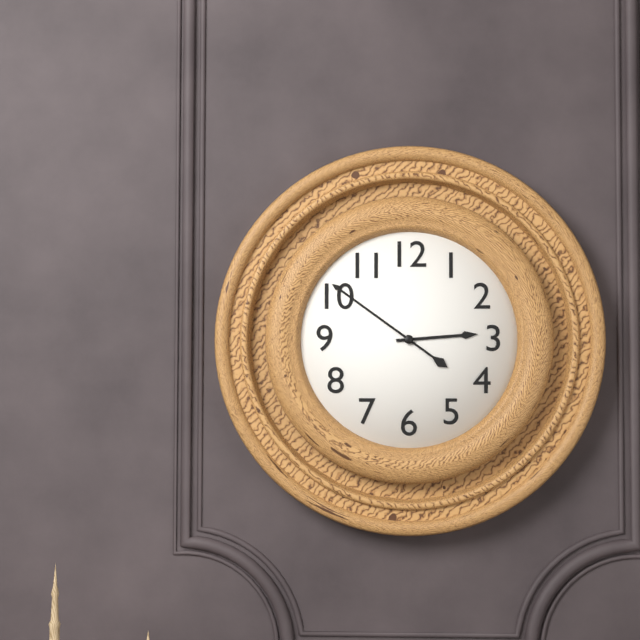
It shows **2:51**
